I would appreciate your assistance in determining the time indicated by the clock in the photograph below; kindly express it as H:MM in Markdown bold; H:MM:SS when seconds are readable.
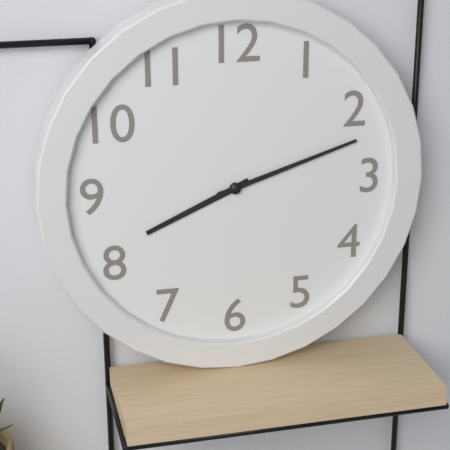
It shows **8:12**
